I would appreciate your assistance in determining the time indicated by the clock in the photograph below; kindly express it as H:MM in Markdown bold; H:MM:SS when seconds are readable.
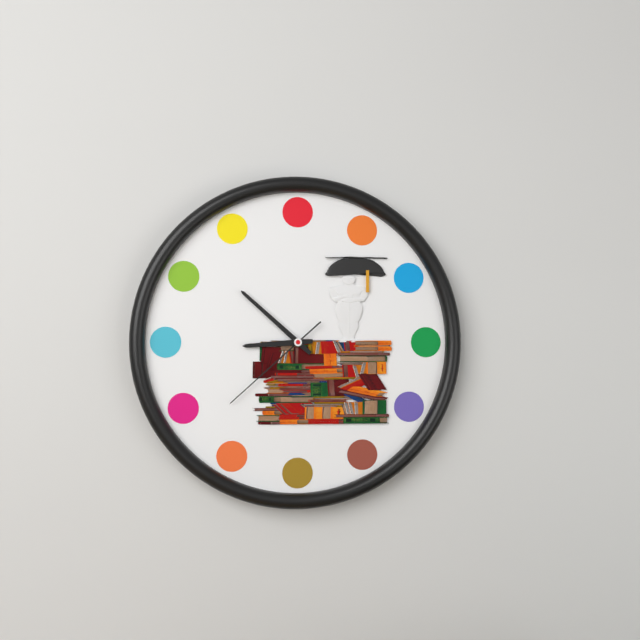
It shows **8:52:38**
